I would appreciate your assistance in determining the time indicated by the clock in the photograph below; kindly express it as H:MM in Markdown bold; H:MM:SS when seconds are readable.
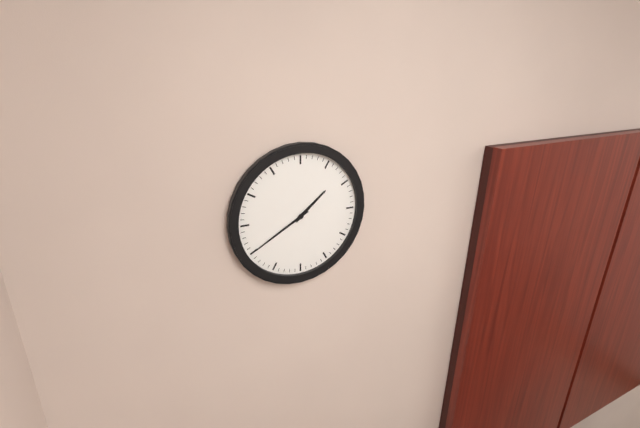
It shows **1:40**
